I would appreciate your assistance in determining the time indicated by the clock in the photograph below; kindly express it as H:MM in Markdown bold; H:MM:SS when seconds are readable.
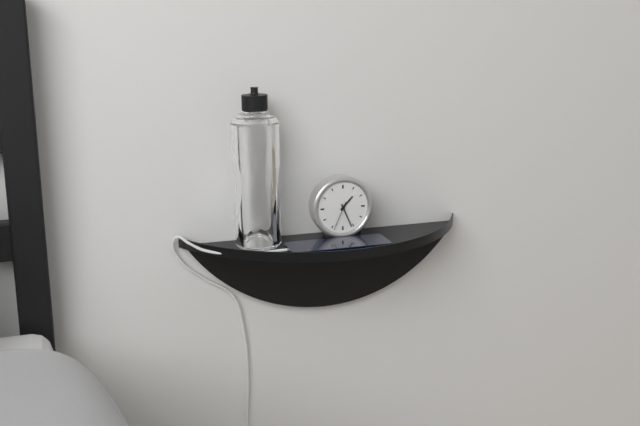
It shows **1:26**
